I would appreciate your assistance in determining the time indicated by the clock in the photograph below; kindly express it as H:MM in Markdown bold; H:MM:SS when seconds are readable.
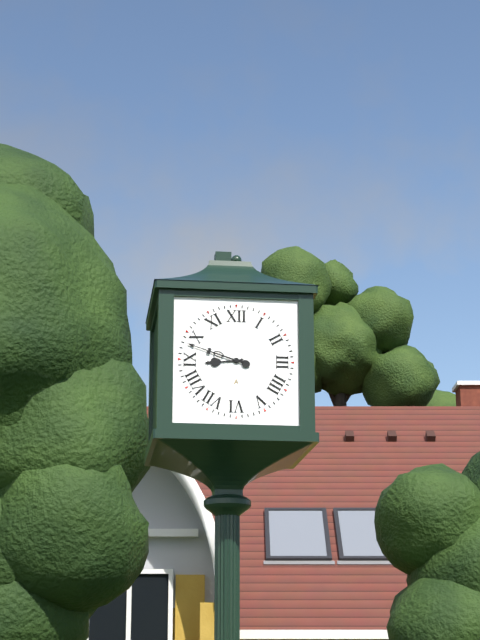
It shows **8:48**
